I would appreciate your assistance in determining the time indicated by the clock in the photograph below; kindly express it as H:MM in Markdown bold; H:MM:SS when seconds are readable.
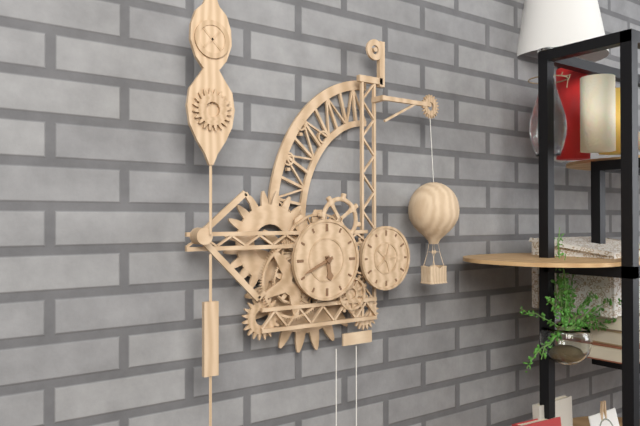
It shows **5:41**
